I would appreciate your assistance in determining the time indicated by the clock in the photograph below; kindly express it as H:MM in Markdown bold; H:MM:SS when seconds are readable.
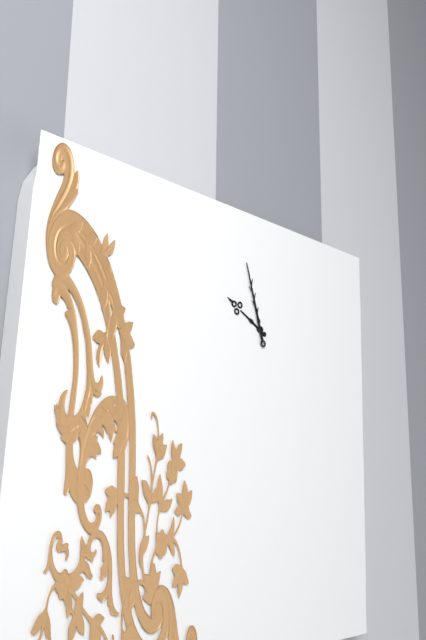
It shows **9:57**
